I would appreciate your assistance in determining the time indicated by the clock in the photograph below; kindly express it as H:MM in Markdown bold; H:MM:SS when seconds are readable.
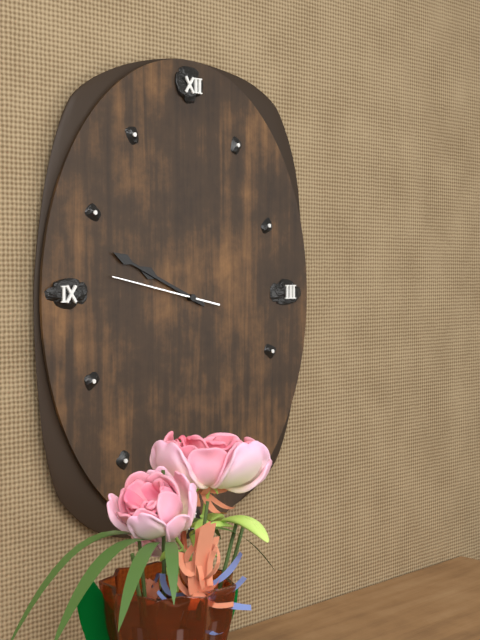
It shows **9:49:47**
